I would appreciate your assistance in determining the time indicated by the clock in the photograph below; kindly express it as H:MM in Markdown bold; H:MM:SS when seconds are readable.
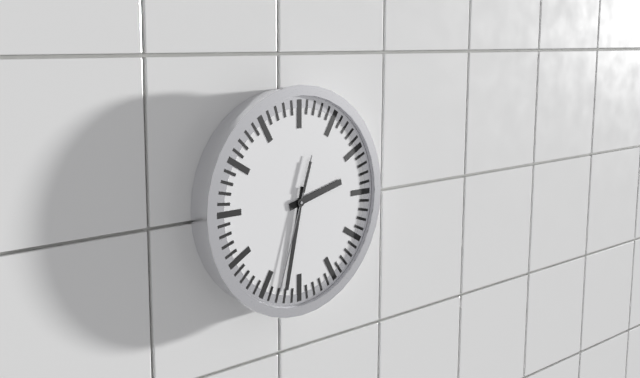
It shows **2:32:33**
